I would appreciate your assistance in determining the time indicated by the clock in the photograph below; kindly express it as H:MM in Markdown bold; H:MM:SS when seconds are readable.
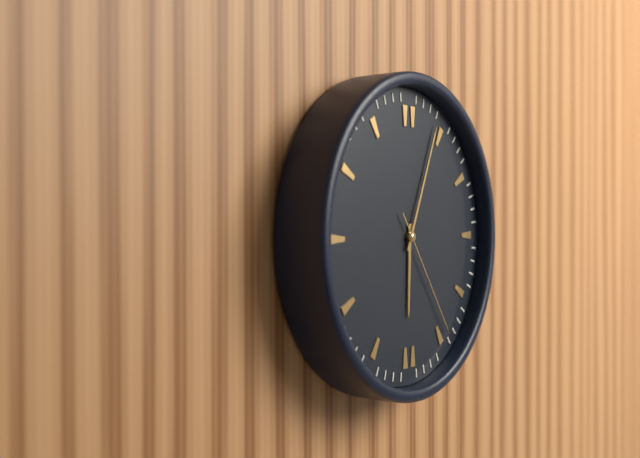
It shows **6:04:24**
